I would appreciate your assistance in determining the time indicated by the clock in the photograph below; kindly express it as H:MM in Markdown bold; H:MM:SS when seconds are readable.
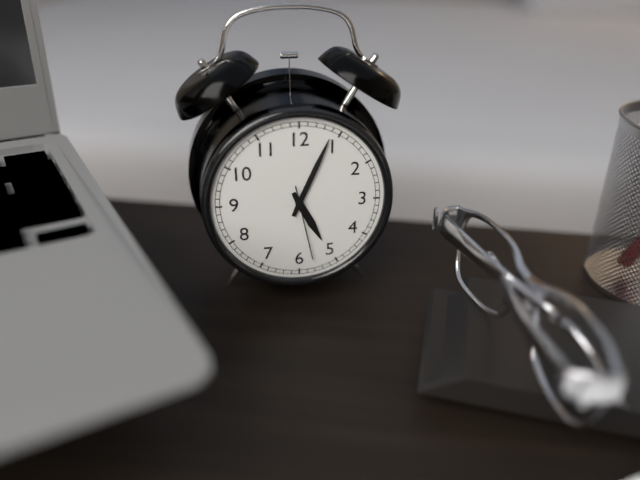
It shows **5:04:28**
